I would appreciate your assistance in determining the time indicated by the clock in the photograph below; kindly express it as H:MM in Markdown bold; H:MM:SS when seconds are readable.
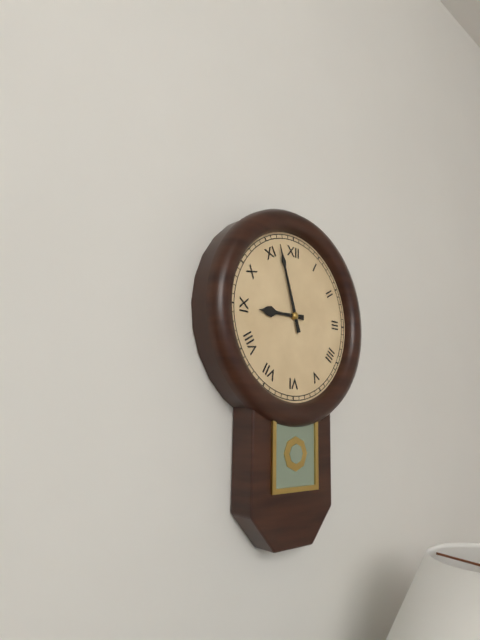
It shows **8:57**
